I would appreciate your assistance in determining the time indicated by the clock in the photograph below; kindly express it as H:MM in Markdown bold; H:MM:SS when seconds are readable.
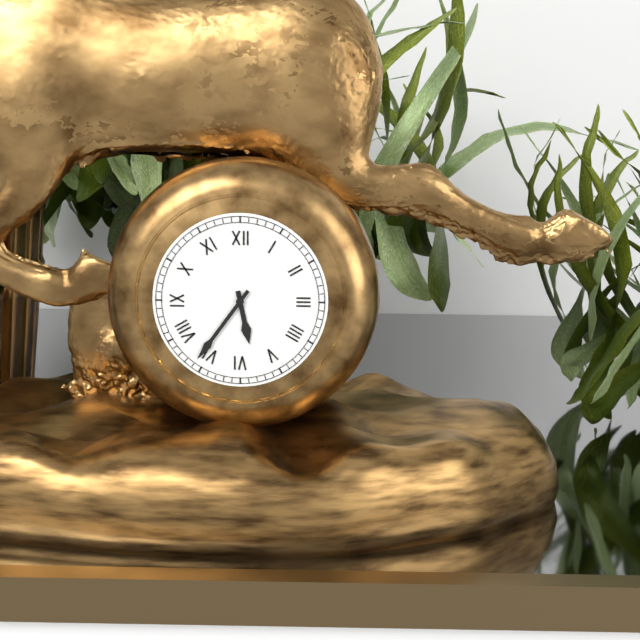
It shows **5:36**
